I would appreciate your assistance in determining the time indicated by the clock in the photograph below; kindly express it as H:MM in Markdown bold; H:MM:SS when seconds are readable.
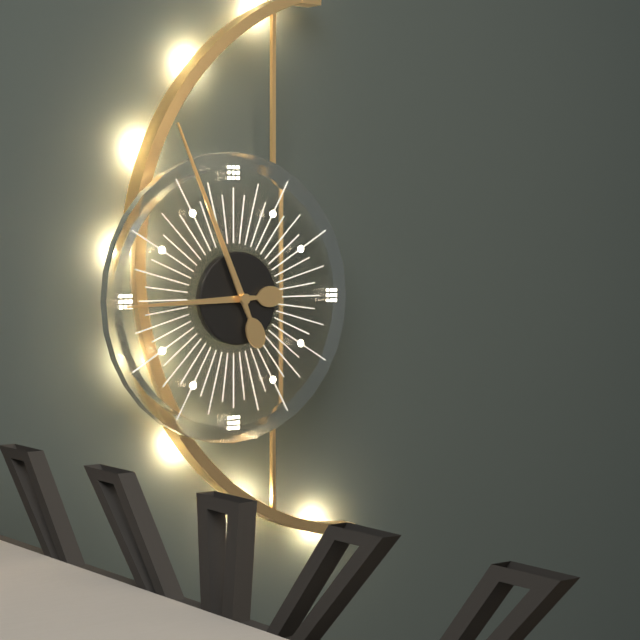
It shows **8:56**
